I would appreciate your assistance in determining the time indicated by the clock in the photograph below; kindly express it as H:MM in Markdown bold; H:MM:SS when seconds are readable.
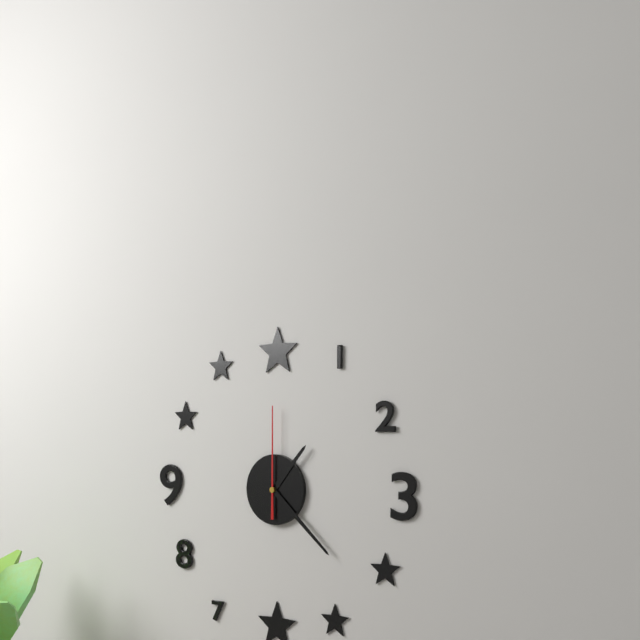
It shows **1:22:00**
